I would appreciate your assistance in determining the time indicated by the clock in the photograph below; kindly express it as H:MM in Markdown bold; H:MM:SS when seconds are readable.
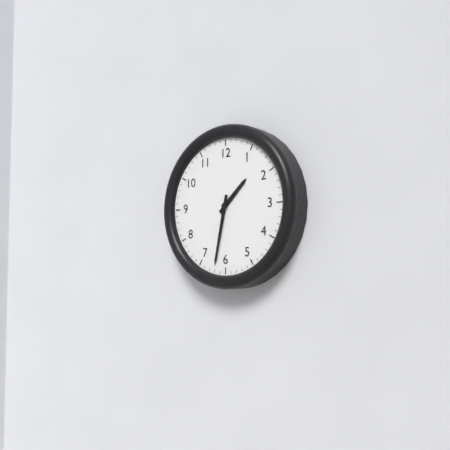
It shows **1:32**
